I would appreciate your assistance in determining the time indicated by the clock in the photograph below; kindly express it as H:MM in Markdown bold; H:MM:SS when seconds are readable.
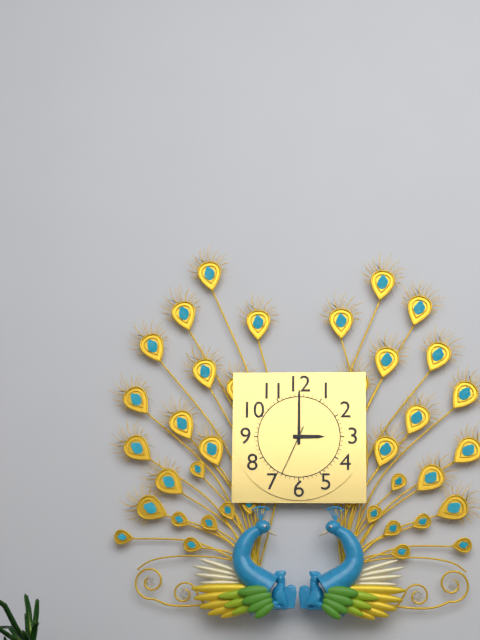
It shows **3:00:34**
